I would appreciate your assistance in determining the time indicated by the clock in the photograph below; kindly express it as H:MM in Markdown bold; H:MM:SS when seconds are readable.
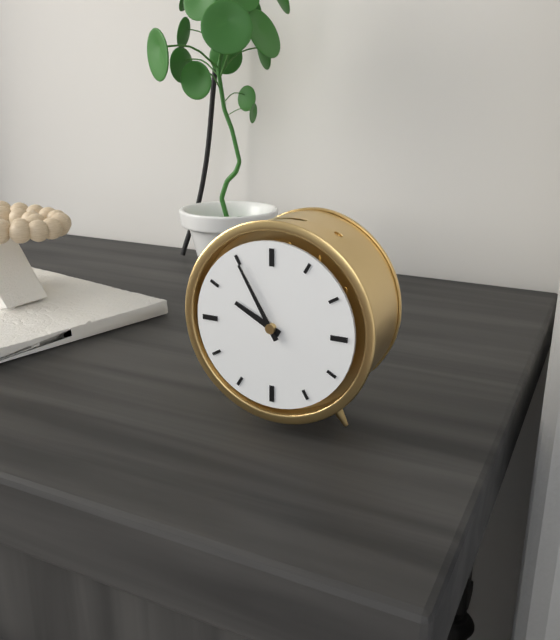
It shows **9:55**
